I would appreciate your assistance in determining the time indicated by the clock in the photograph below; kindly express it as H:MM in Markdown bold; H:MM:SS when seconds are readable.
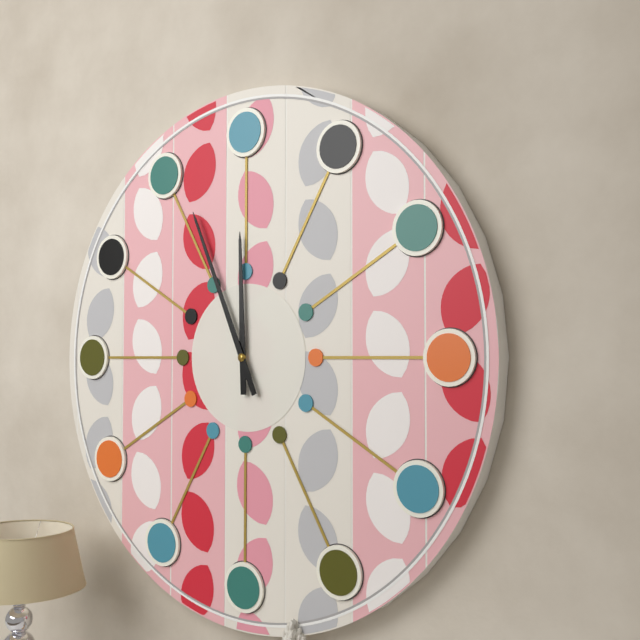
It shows **11:56**
